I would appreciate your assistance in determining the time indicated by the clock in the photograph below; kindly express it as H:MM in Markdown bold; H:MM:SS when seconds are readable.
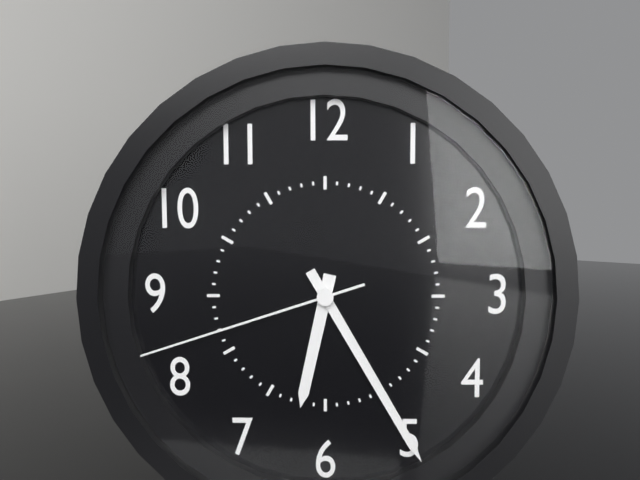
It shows **6:25:42**
